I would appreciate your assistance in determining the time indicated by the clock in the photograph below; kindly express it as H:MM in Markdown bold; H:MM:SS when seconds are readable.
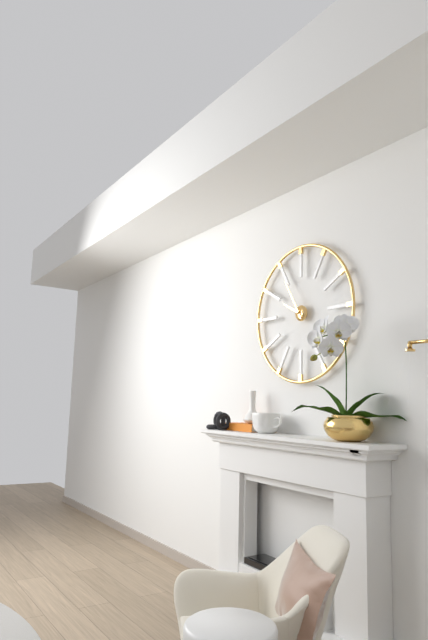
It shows **9:55**
